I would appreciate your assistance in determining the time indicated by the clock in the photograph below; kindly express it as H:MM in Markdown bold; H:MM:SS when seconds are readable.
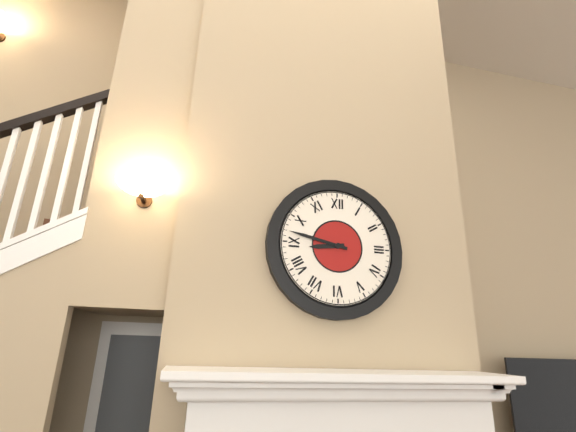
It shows **8:47**
